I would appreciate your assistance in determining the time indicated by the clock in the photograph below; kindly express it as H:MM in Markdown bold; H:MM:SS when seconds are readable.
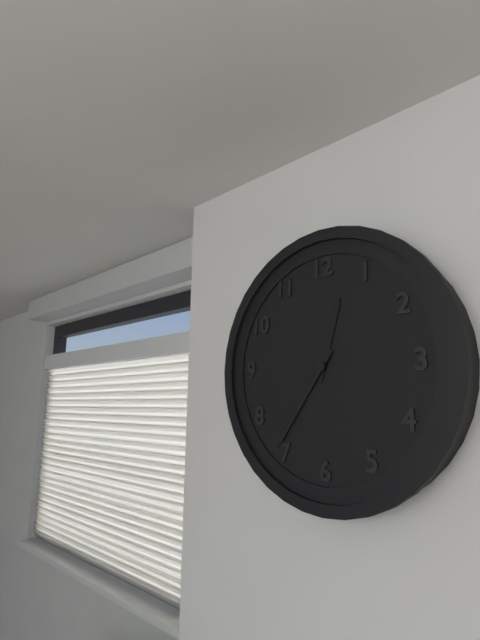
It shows **12:36**
